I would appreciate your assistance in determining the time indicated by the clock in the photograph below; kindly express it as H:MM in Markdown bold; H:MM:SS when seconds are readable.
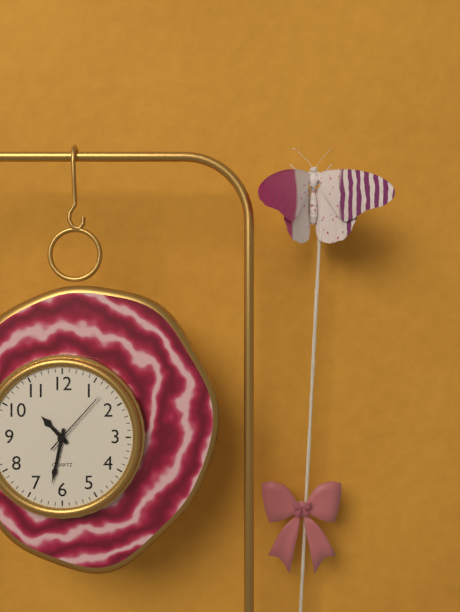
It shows **10:32:07**
